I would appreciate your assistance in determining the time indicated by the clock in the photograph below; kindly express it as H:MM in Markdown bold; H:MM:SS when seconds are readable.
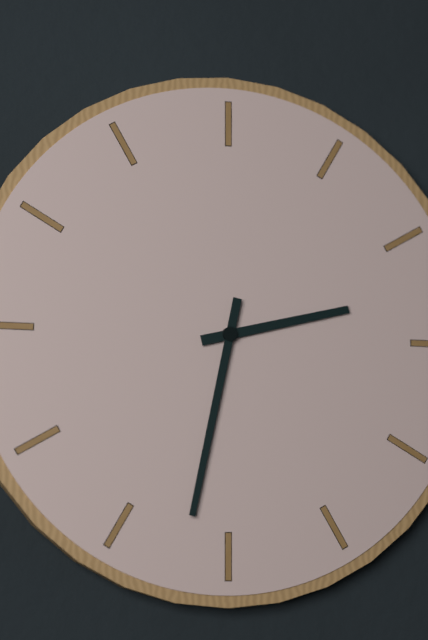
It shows **2:32**
